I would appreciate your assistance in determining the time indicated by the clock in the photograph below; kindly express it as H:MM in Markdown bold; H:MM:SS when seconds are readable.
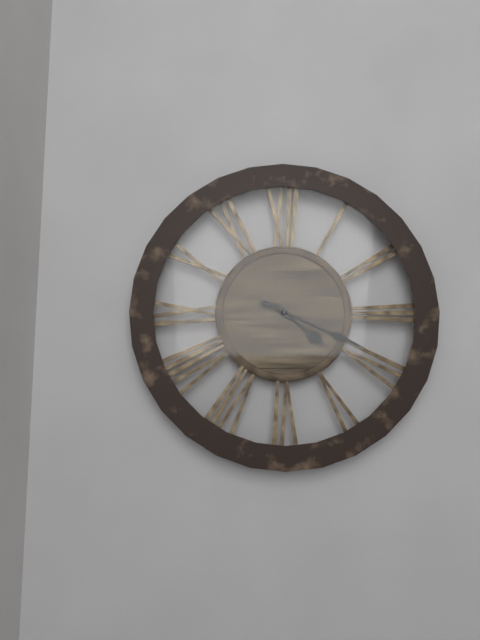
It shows **4:19**
